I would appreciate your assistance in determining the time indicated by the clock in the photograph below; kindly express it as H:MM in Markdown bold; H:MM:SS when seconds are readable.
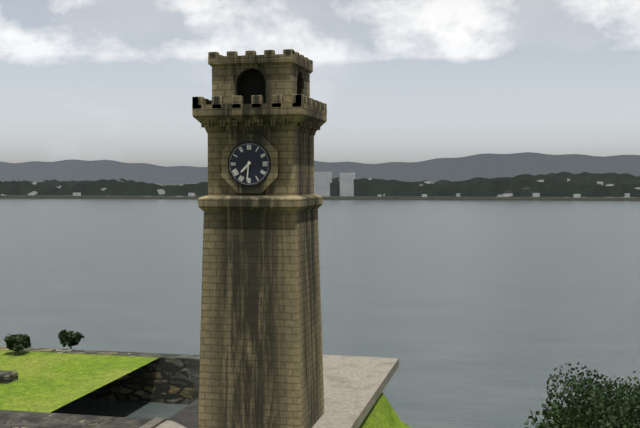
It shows **7:31**
